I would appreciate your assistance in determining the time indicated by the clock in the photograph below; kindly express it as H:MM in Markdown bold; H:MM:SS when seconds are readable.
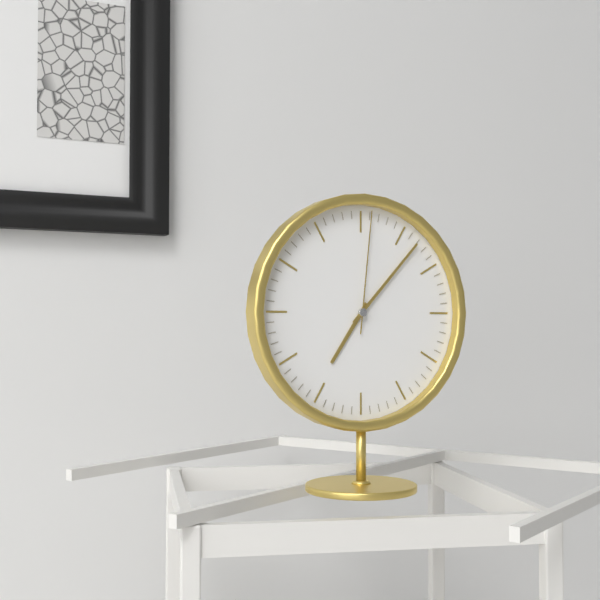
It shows **7:07:01**
